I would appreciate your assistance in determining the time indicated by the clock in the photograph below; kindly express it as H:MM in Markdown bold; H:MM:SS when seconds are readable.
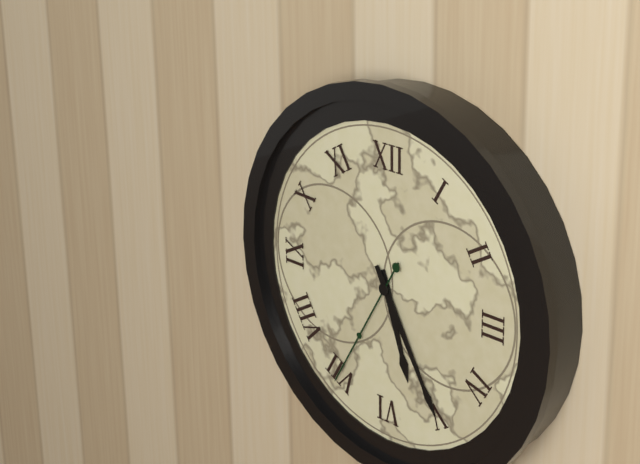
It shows **5:25:35**
